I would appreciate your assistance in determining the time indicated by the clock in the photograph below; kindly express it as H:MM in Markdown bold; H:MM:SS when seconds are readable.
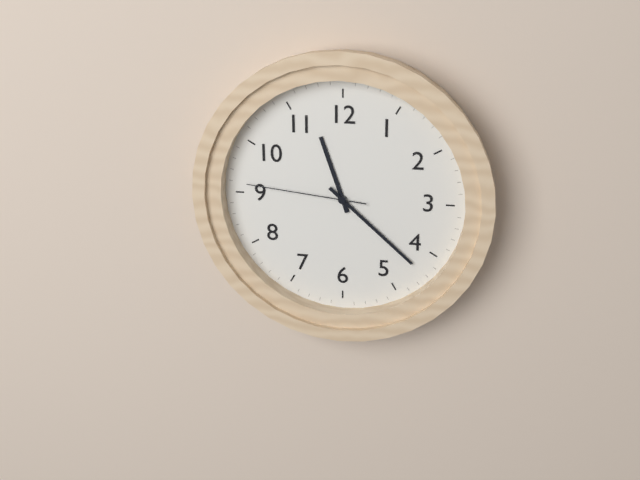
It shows **11:22:46**
